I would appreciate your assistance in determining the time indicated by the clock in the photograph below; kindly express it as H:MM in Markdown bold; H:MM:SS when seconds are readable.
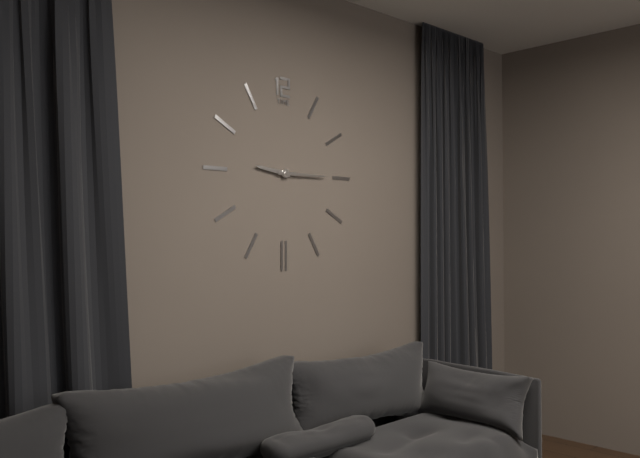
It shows **9:15**
